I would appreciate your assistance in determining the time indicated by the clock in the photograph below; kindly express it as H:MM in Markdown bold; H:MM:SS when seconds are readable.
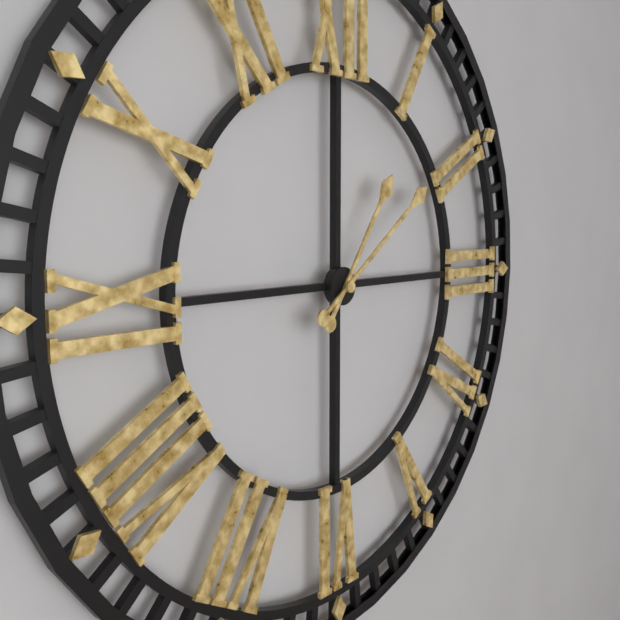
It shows **1:09**
